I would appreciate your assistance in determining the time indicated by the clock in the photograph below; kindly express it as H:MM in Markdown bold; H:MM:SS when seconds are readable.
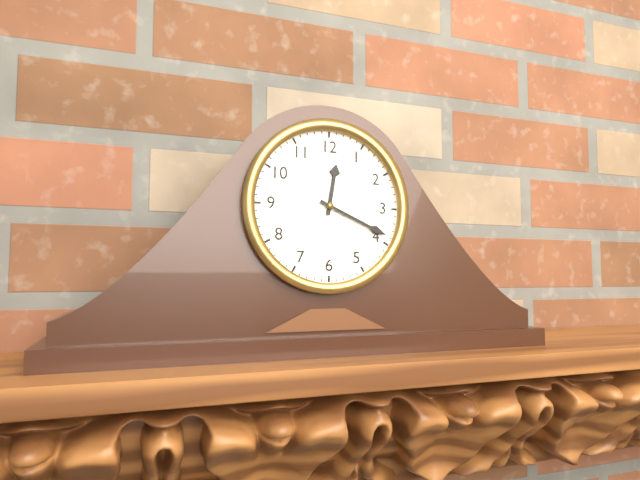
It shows **12:19**
